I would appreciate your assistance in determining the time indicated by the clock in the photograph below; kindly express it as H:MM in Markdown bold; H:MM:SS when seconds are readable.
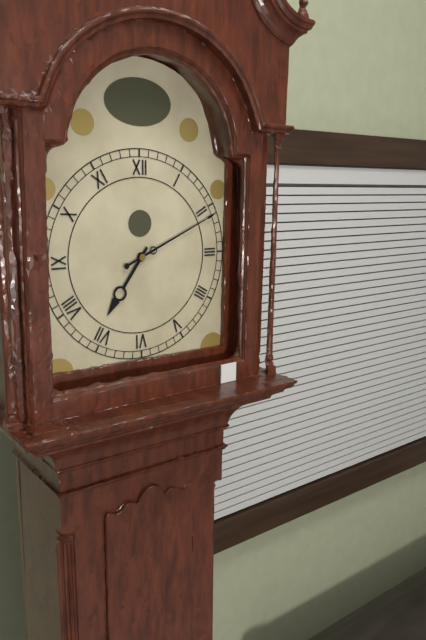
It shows **7:11**
